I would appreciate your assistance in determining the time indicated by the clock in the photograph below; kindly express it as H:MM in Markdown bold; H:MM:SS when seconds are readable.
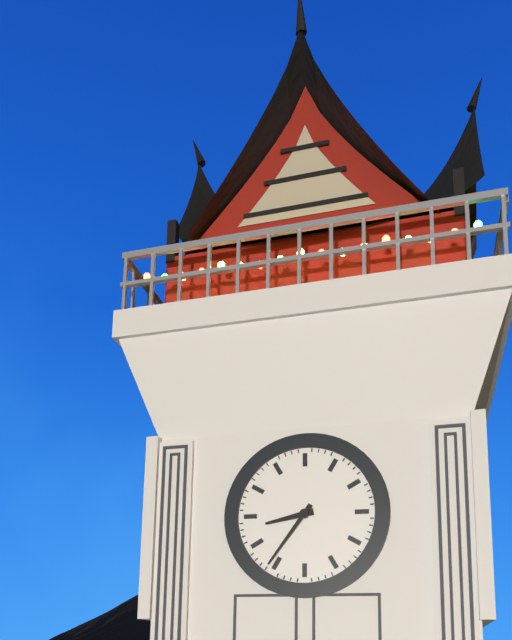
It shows **8:36**
